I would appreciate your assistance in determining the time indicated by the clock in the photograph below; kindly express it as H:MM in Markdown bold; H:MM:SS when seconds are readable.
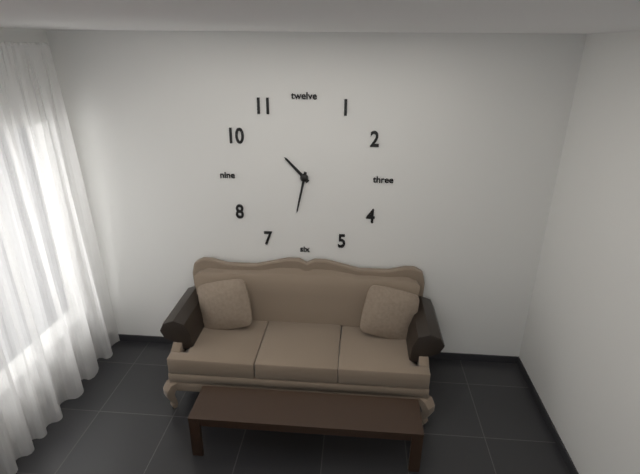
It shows **10:32**
